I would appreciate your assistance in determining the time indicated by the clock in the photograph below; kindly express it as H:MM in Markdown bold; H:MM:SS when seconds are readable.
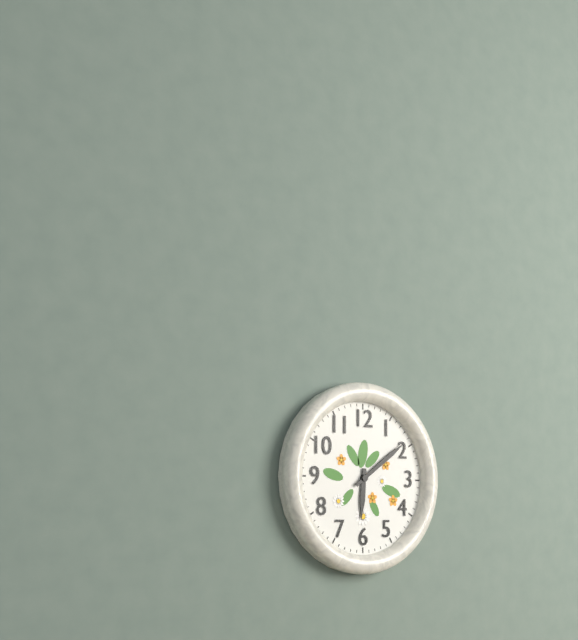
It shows **6:09**
